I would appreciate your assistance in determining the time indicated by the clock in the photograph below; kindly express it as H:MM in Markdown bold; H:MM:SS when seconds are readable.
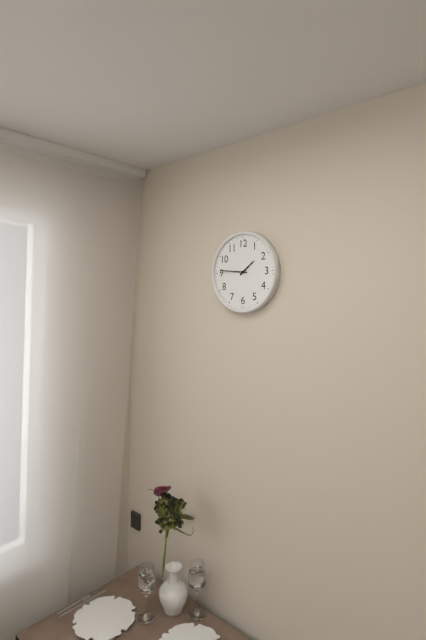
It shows **1:46**
